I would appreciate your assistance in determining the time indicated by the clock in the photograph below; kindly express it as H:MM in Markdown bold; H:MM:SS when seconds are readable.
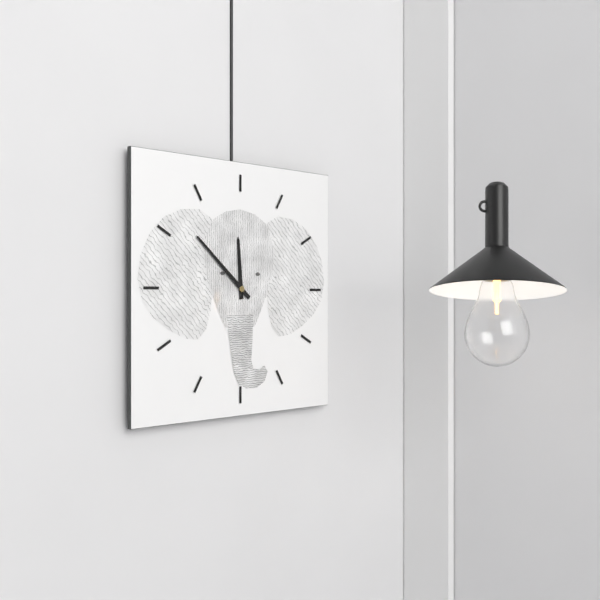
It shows **11:52**
